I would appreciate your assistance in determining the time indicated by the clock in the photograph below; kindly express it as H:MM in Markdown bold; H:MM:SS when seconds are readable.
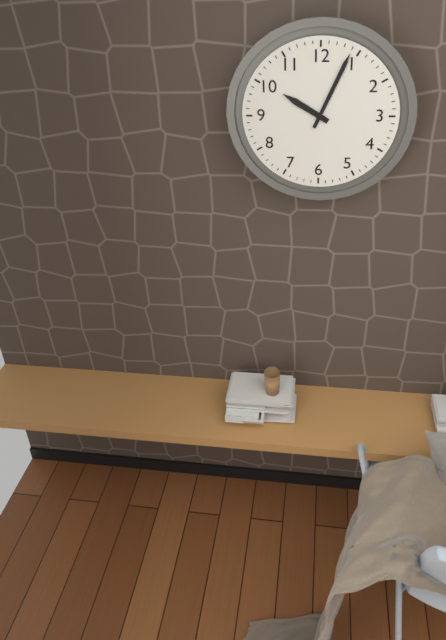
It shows **10:04**
